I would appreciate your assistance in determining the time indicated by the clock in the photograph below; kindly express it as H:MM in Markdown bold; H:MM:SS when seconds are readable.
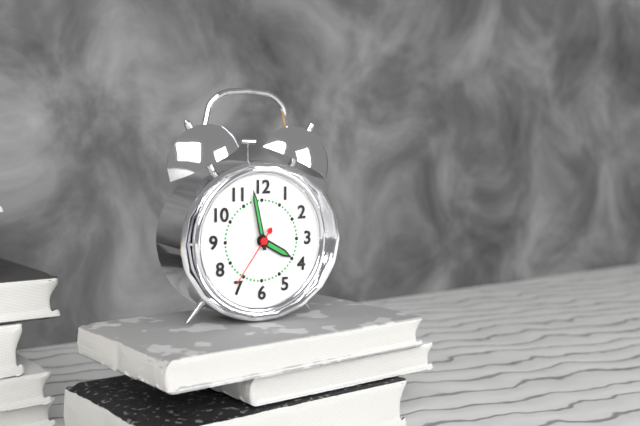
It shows **3:58:36**
